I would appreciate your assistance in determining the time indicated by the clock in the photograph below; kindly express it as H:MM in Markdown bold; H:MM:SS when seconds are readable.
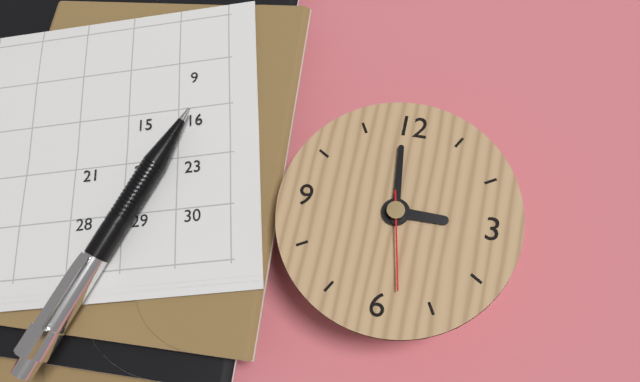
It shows **2:59:28**
